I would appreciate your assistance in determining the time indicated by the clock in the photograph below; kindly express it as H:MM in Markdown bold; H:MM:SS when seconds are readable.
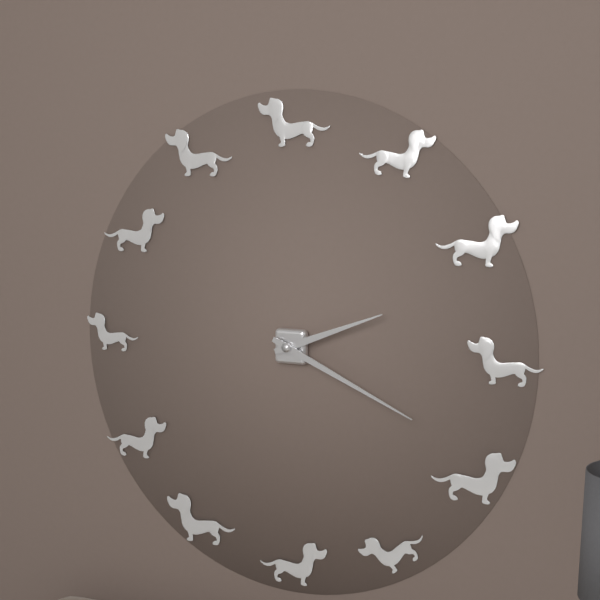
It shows **2:19**
